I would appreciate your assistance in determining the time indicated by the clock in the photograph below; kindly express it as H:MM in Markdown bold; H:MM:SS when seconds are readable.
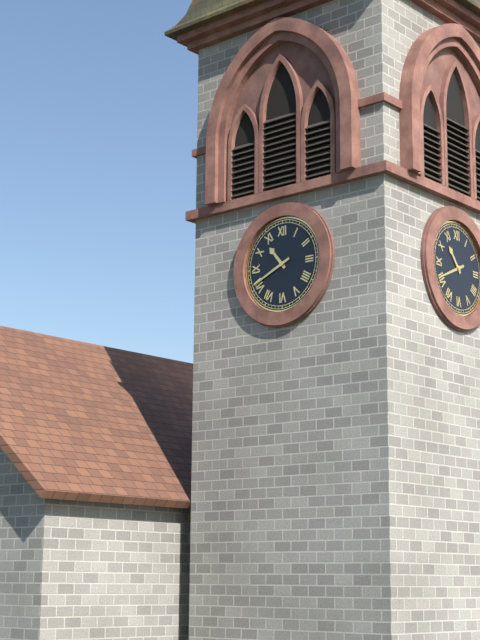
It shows **10:41**
